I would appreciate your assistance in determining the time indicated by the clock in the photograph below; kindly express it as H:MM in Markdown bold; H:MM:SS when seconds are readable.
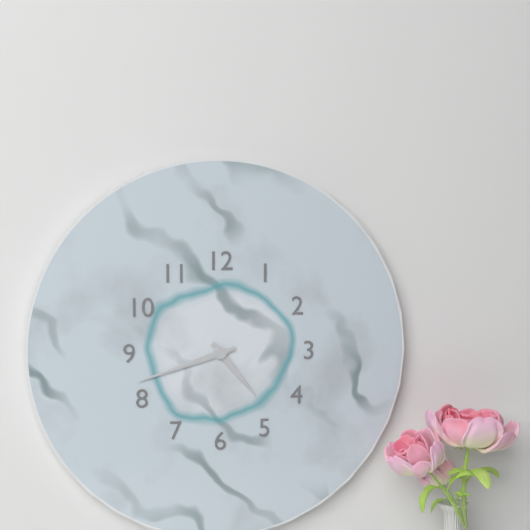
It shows **4:42**
